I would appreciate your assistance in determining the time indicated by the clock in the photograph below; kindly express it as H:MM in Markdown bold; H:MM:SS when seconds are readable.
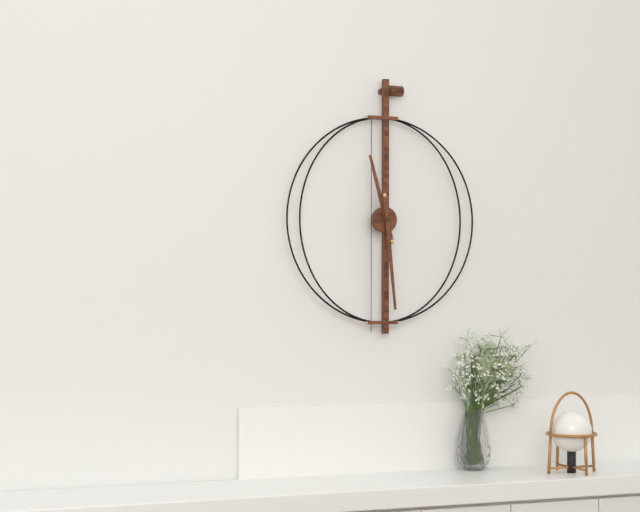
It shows **11:29**
